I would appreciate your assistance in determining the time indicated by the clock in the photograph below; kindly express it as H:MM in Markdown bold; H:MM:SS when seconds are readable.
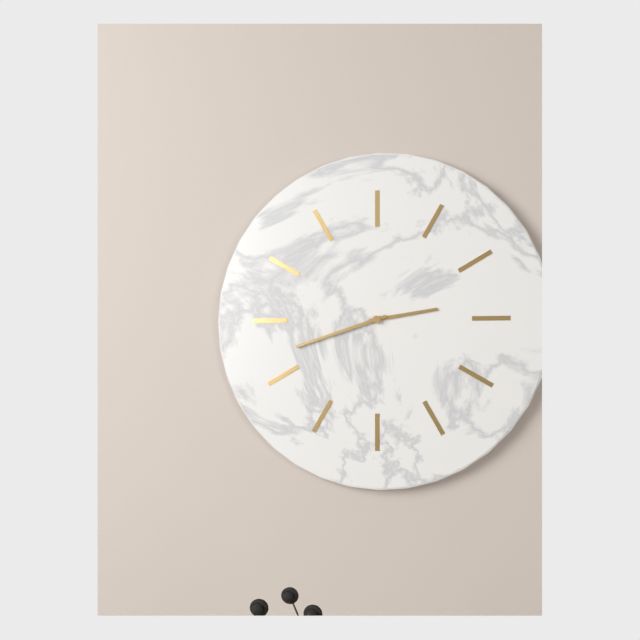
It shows **2:42**
